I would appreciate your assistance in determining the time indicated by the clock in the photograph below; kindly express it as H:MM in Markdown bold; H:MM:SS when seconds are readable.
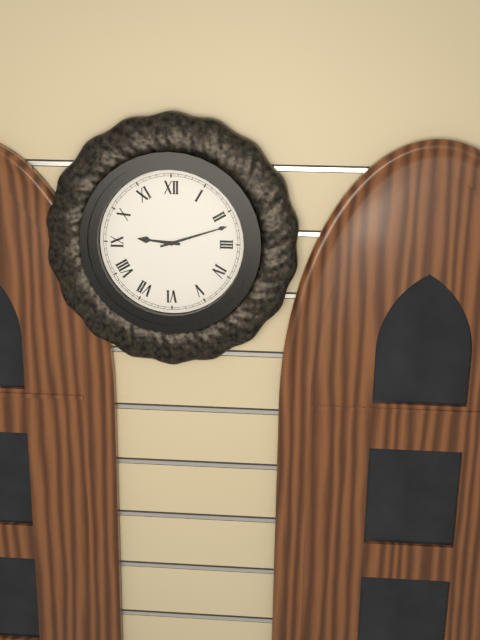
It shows **9:12**
